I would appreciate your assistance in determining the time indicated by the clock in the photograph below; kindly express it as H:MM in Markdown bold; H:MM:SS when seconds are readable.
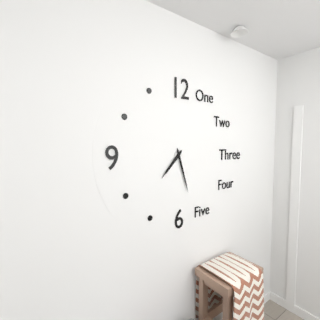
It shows **7:27**
